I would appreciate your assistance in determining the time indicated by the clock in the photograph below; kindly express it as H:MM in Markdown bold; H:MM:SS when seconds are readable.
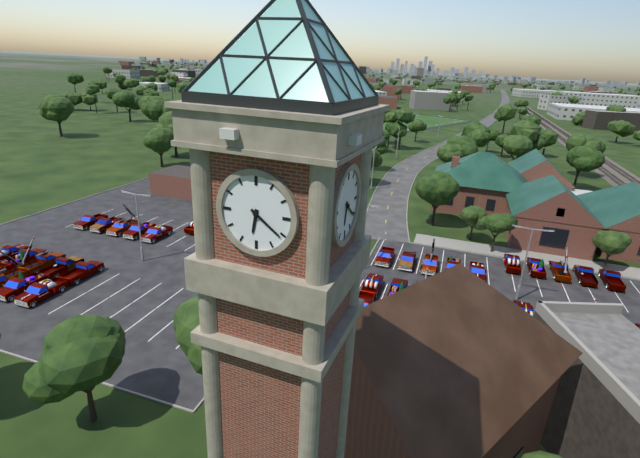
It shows **6:21**
